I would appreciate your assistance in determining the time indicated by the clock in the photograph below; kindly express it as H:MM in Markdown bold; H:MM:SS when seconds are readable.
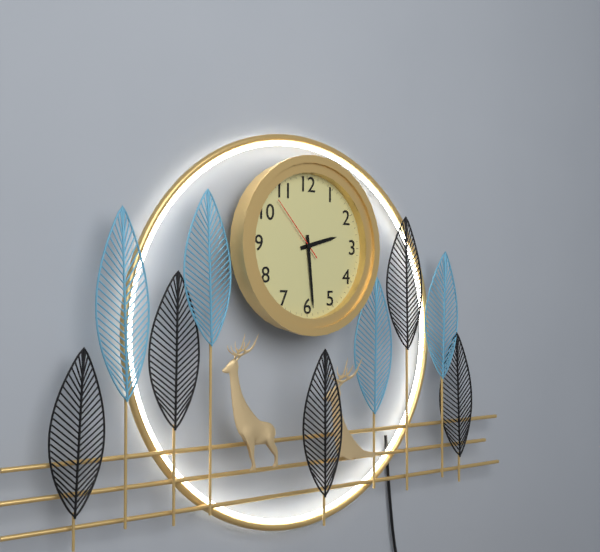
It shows **2:29:53**
